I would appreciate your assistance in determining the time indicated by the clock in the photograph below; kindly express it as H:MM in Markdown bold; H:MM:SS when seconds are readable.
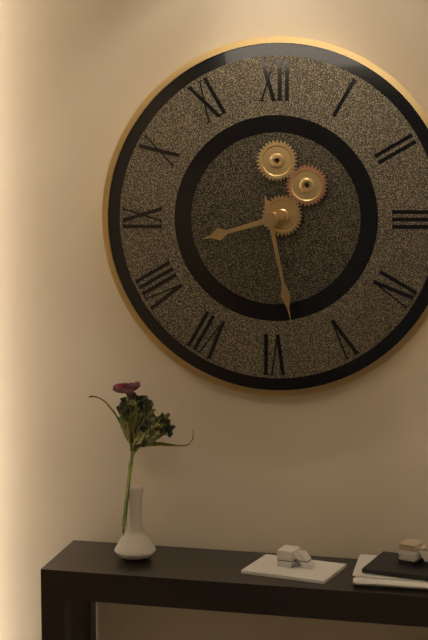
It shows **8:28**
